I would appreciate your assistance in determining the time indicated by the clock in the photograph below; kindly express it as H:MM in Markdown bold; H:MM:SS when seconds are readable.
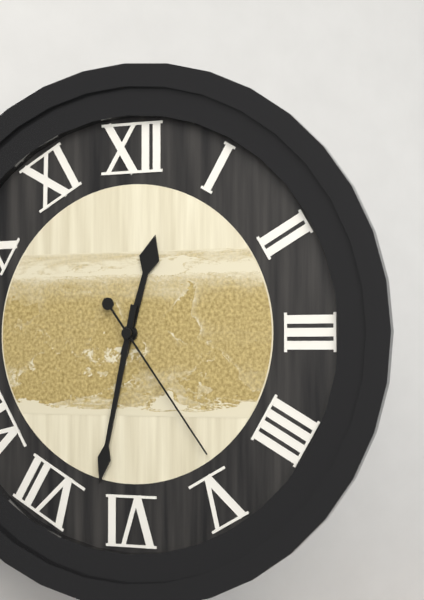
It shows **12:32:24**
